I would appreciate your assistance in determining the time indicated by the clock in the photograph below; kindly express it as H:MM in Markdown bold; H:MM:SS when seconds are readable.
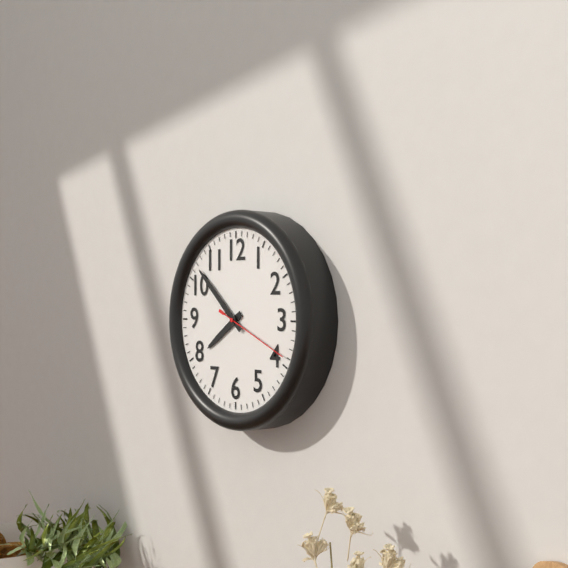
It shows **7:52:19**
